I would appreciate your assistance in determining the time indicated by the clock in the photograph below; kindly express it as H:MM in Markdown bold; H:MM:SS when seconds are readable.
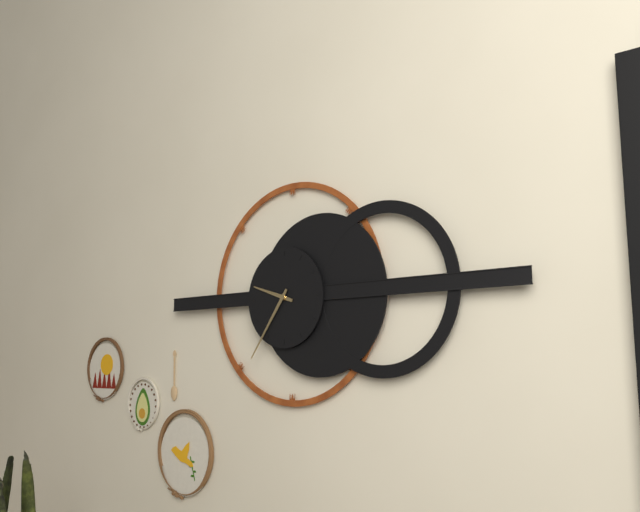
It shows **9:36**
